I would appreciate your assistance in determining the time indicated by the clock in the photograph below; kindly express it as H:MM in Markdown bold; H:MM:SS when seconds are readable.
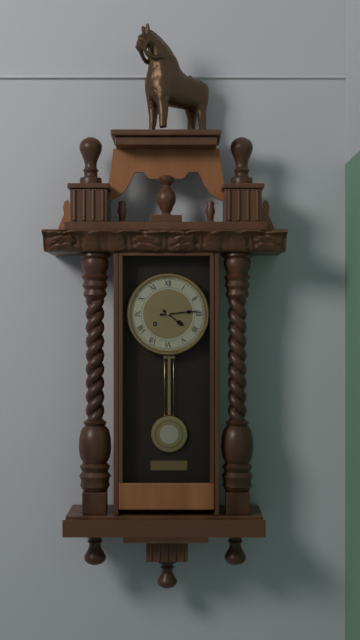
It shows **4:14**
